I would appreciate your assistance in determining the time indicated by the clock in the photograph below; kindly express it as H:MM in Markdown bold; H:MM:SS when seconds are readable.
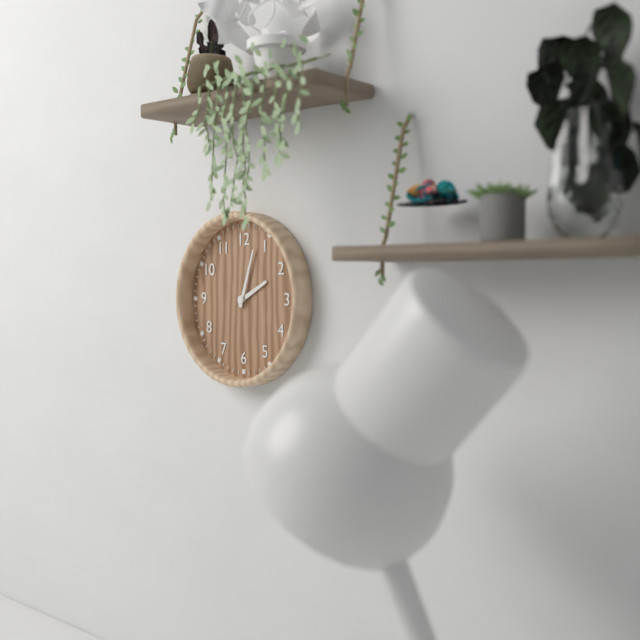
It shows **2:03**
